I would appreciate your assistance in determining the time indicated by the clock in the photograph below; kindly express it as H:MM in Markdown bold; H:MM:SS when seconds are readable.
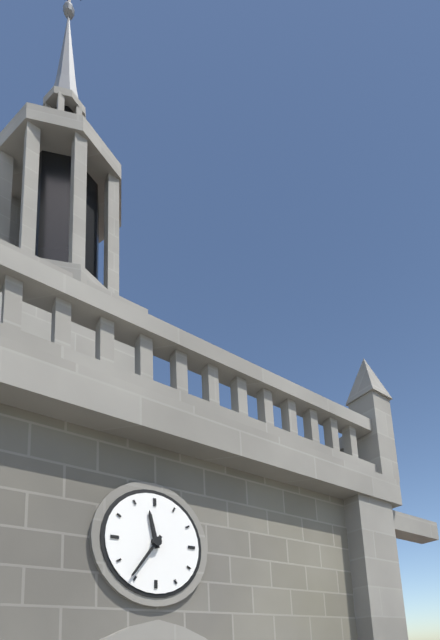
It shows **11:36**
